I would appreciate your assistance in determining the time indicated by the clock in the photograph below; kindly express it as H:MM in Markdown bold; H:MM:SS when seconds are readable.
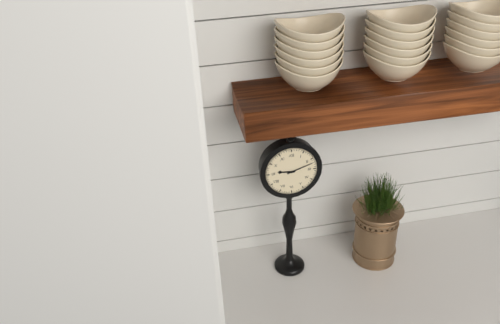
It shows **9:12**
